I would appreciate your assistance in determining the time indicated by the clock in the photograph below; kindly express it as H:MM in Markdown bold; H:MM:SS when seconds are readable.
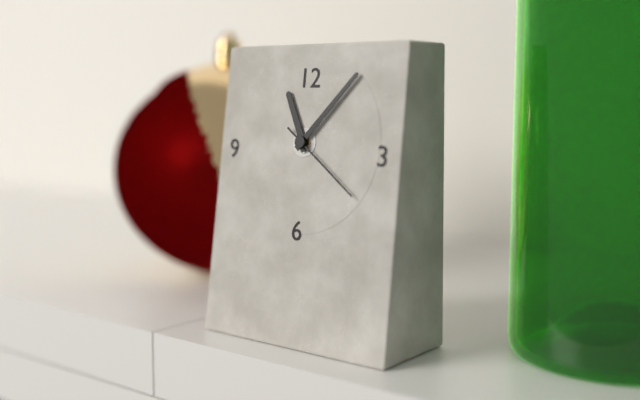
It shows **11:07:21**
